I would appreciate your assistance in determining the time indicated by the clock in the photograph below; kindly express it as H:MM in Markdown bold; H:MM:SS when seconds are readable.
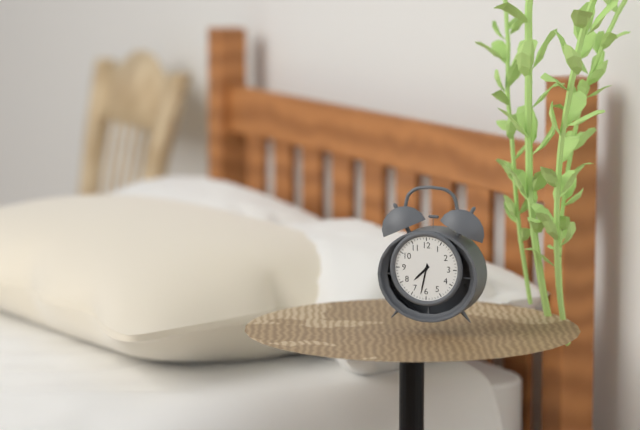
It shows **7:32**
